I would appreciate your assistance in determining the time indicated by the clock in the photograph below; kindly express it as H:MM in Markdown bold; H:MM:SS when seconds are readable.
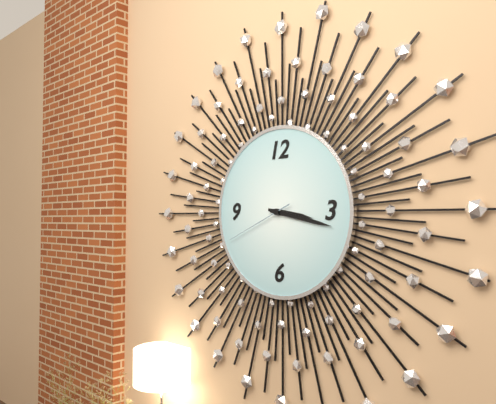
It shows **3:17:41**
